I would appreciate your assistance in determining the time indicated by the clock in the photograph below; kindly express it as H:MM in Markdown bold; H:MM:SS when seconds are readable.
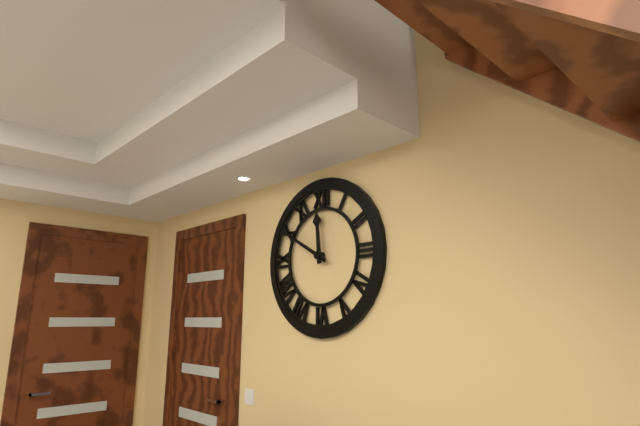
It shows **11:50**
